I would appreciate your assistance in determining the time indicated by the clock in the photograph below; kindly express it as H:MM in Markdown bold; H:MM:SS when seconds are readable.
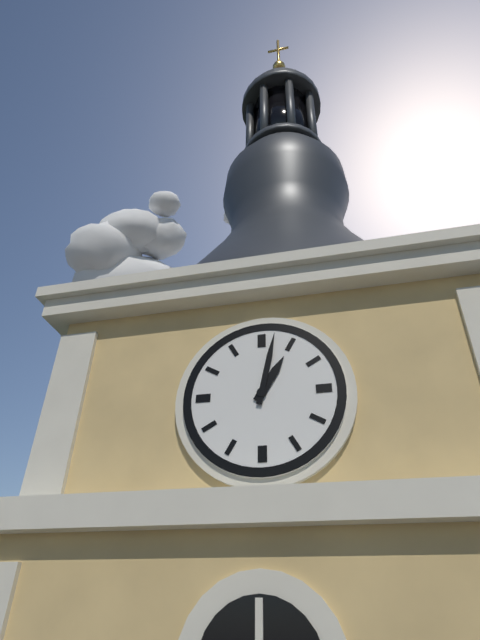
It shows **1:02**
